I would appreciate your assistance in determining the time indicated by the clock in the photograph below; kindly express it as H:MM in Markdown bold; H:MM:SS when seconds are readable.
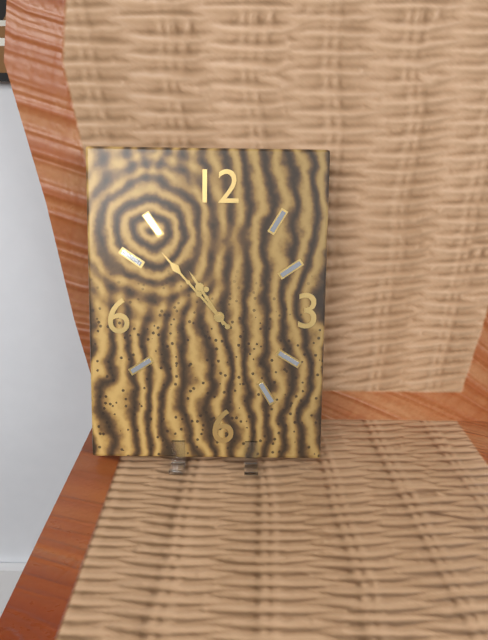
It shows **10:53**
